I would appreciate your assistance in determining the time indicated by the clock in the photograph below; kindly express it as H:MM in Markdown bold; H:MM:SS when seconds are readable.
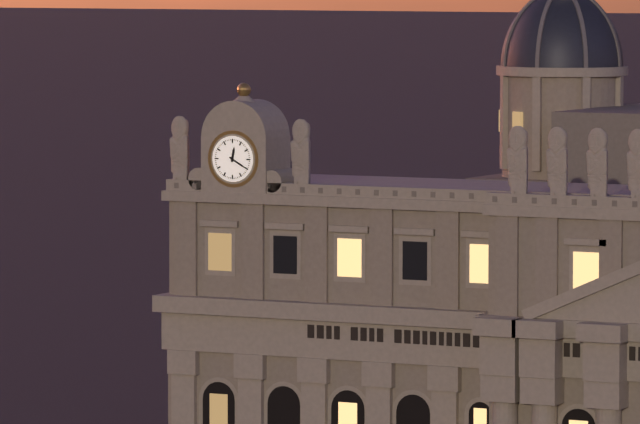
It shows **12:20**
